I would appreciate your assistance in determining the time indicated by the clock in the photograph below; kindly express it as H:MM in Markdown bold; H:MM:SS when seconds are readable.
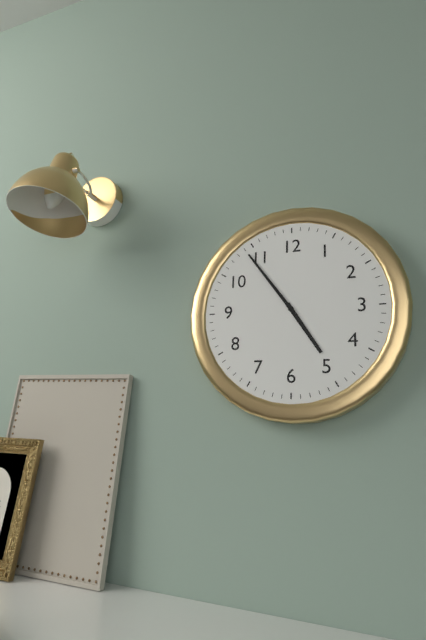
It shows **4:54**
